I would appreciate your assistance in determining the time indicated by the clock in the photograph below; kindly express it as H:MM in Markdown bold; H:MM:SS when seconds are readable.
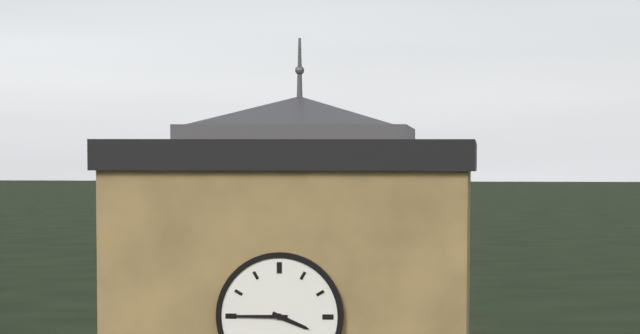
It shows **3:45**
